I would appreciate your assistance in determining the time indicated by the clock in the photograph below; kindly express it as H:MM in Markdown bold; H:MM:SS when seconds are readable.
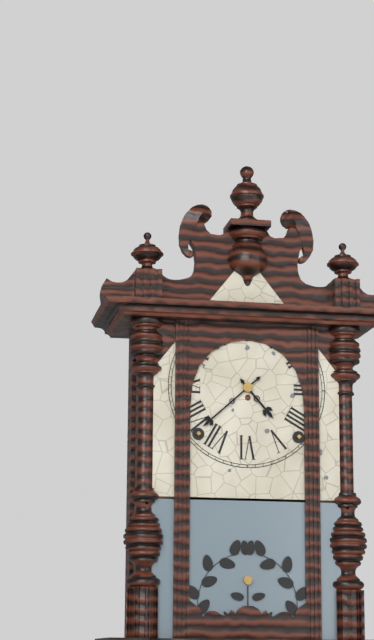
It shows **4:38**
